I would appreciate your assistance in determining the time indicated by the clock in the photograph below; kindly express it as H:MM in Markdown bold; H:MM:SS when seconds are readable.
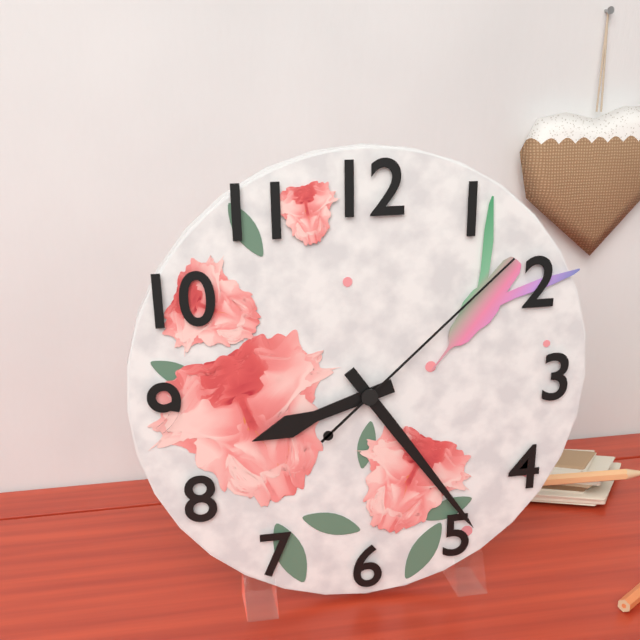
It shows **8:24:08**
